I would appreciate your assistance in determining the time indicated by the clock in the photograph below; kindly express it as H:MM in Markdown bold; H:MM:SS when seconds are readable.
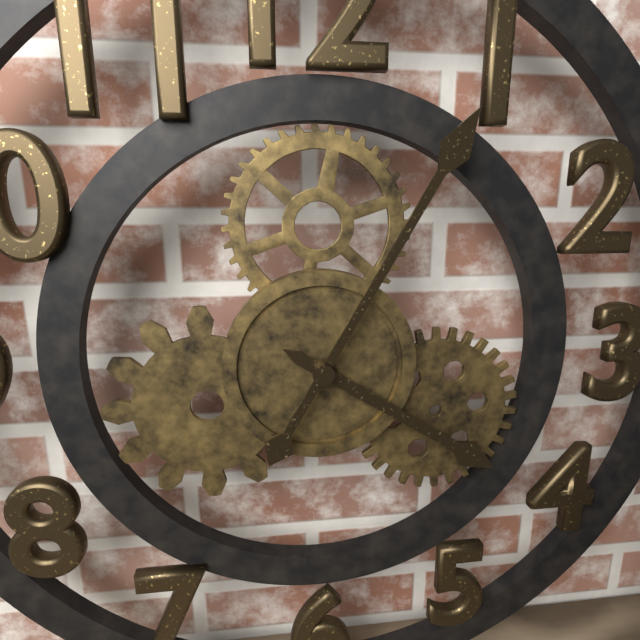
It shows **4:05**
